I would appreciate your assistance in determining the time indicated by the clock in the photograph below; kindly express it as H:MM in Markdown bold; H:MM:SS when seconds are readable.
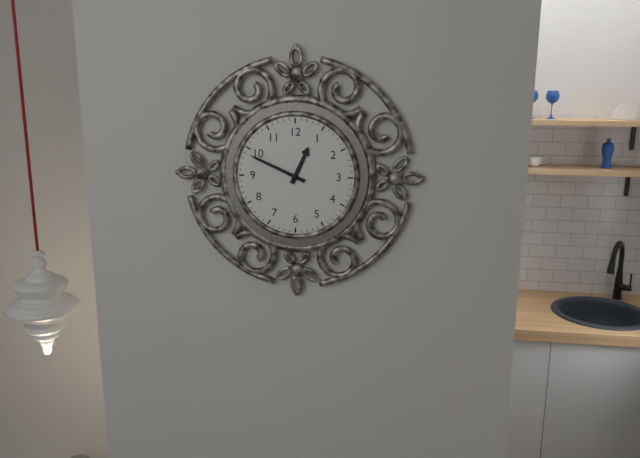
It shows **12:49**
